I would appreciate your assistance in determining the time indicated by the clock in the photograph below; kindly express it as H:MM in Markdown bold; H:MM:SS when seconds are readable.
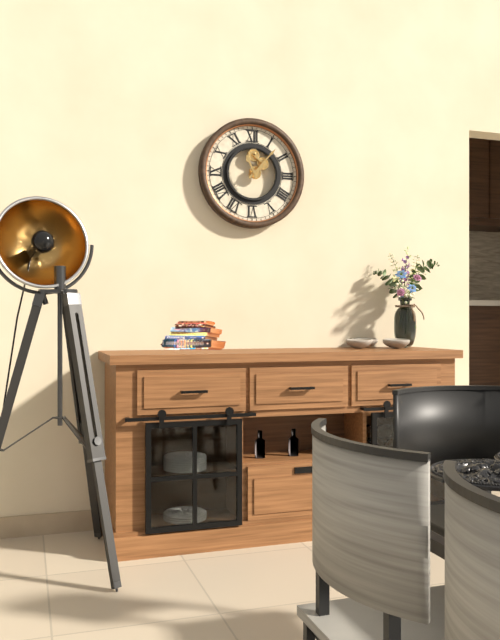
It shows **11:07**
